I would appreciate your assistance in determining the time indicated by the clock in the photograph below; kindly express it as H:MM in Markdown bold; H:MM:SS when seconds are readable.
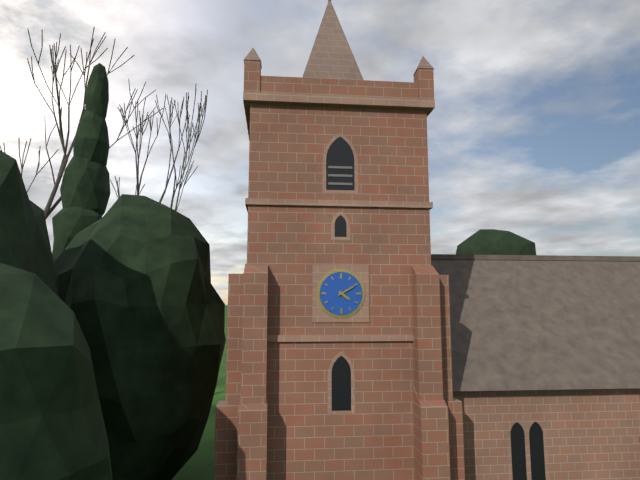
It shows **4:10**
